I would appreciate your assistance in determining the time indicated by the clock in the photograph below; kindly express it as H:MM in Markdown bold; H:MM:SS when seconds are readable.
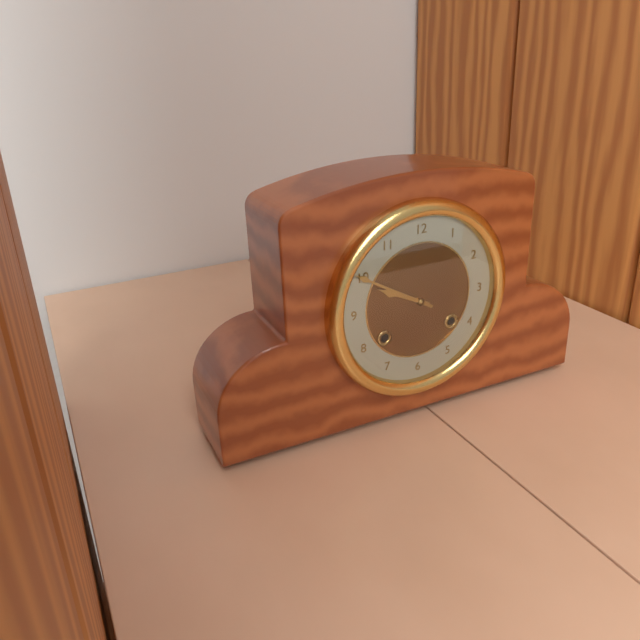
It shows **9:50**
